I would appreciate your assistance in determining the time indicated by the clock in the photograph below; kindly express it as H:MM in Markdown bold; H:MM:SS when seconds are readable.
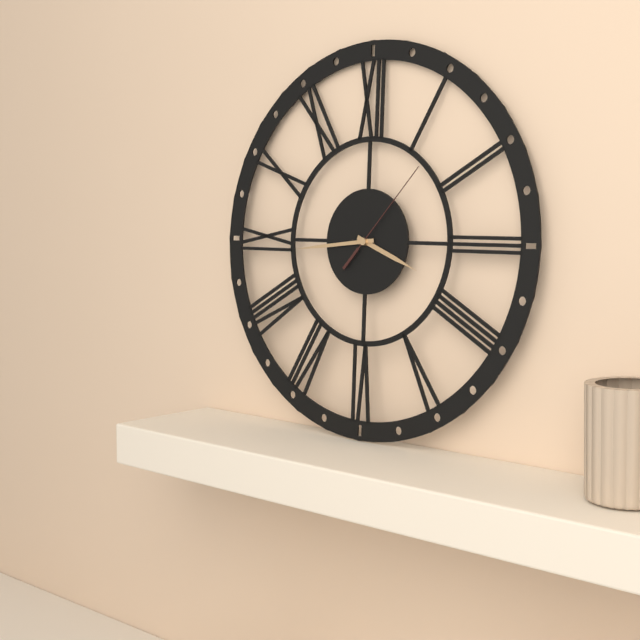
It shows **3:44:07**
